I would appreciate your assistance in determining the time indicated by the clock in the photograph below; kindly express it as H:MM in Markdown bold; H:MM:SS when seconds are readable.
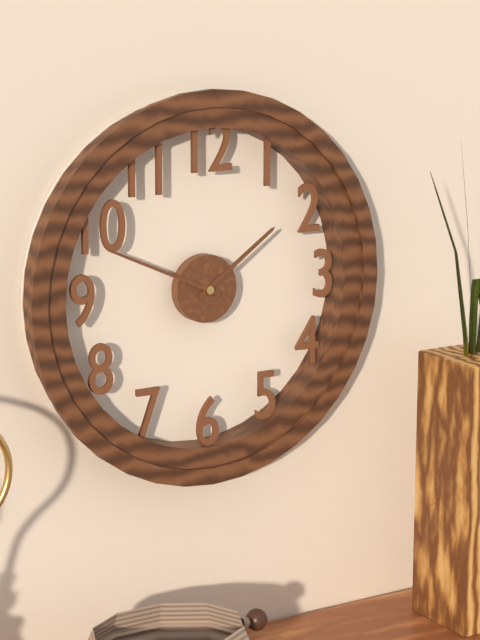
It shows **1:49**
